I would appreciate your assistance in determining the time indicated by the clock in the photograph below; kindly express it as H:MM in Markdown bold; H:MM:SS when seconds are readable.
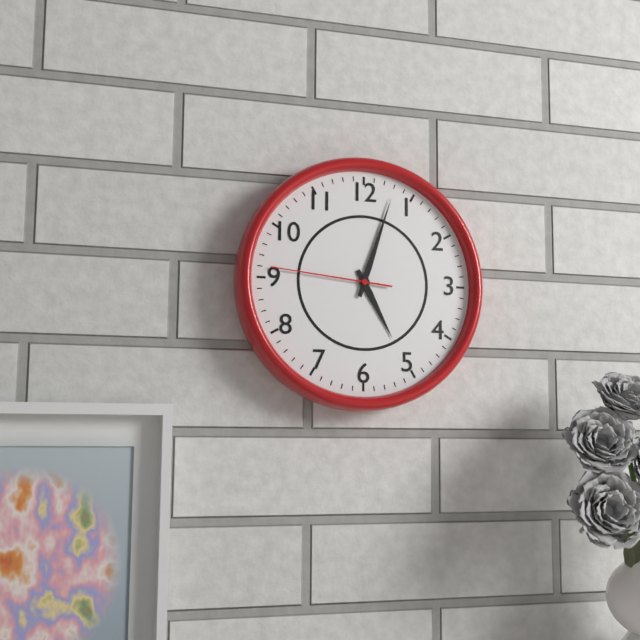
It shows **5:03:46**
